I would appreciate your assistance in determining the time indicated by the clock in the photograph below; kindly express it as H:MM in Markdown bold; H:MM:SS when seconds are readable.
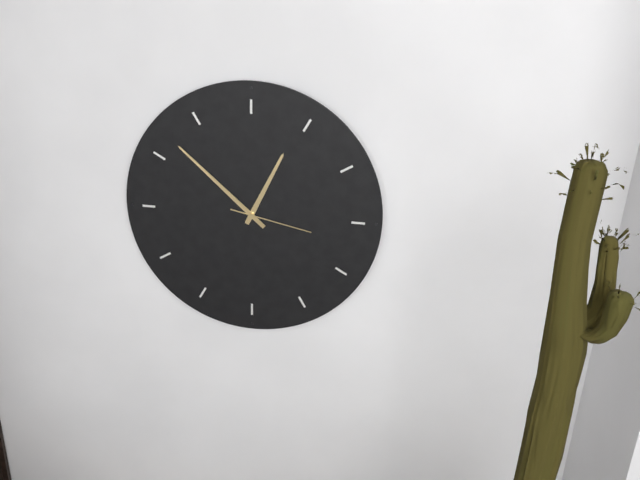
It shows **12:52:17**
